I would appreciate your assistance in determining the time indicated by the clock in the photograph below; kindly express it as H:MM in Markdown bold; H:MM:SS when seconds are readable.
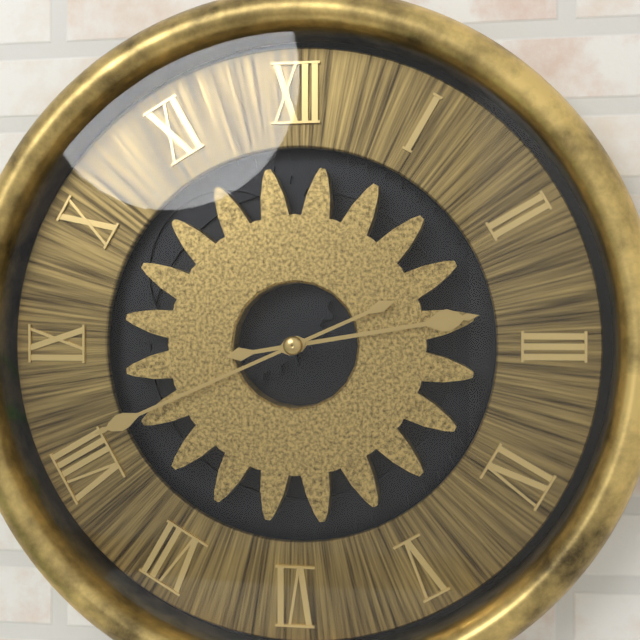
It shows **2:41**
